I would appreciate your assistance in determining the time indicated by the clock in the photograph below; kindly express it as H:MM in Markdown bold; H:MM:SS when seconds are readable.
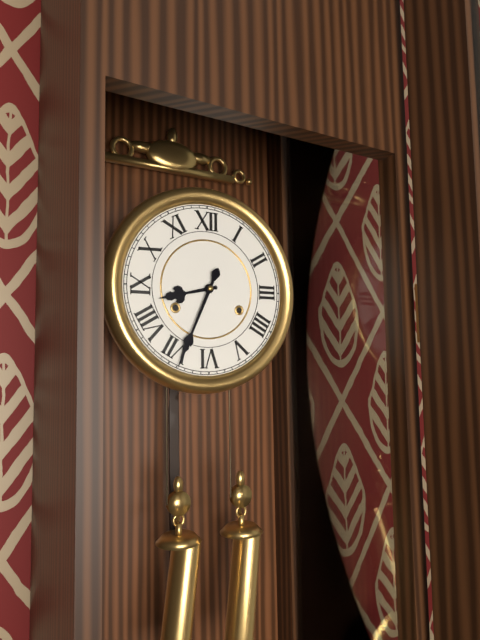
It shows **8:34**
